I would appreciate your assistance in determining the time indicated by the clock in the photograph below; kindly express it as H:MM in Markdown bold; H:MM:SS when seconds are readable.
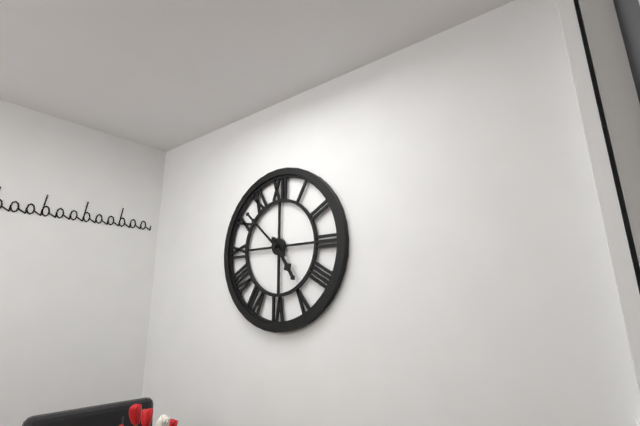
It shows **4:52**
